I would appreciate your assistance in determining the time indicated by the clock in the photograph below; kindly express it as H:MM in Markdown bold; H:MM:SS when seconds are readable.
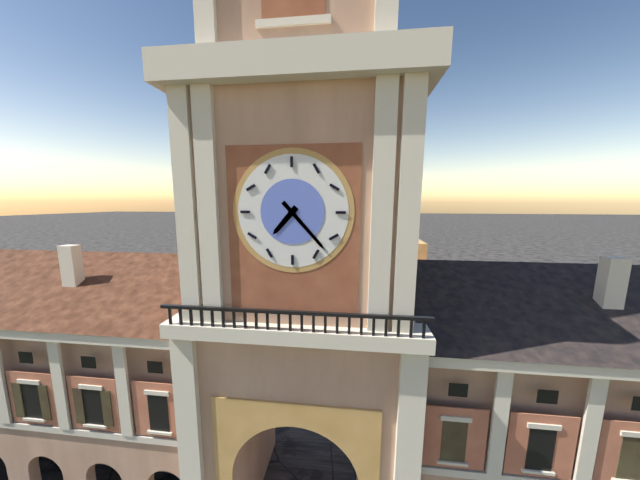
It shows **7:23**
